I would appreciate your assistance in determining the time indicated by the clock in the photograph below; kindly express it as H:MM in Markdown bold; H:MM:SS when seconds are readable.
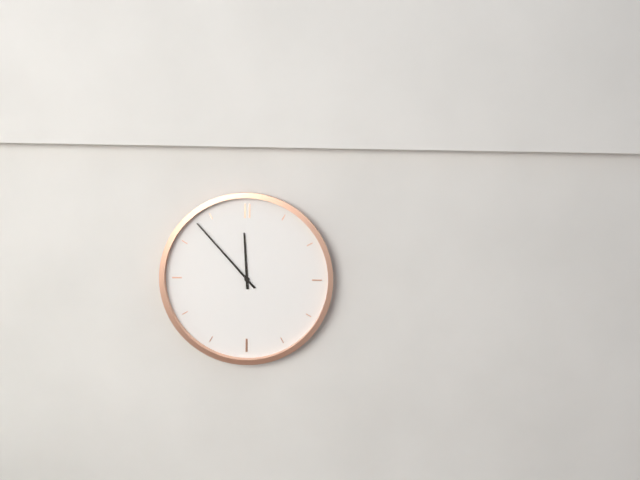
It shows **11:53**
